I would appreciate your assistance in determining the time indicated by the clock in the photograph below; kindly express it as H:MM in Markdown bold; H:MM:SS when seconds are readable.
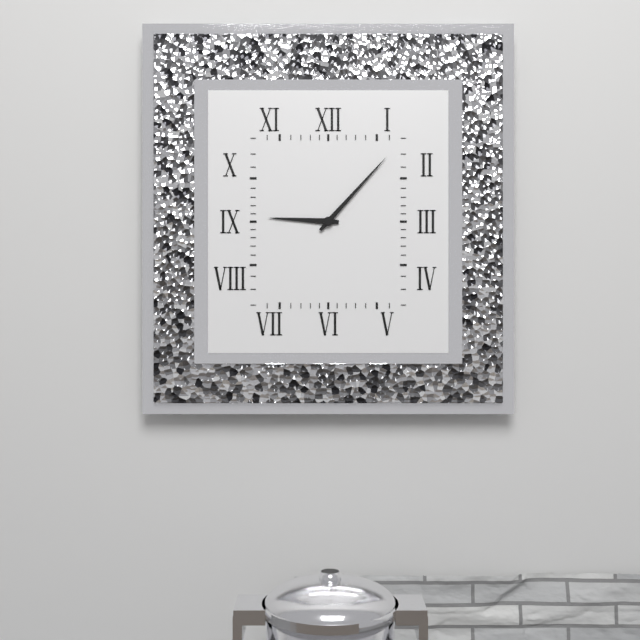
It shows **9:07**
